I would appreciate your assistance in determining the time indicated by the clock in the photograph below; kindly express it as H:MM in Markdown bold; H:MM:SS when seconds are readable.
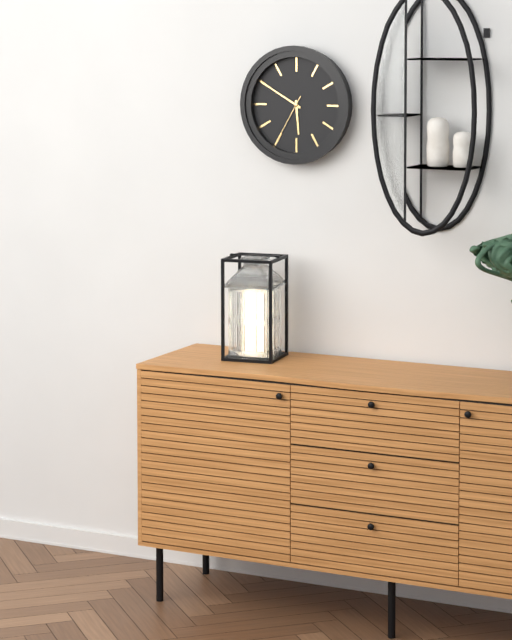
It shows **5:50**
